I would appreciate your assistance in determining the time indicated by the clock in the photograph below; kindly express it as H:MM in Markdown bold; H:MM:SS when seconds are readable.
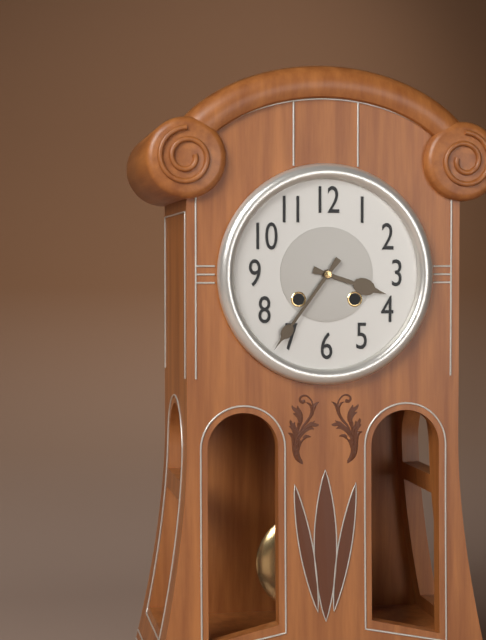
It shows **3:36**
